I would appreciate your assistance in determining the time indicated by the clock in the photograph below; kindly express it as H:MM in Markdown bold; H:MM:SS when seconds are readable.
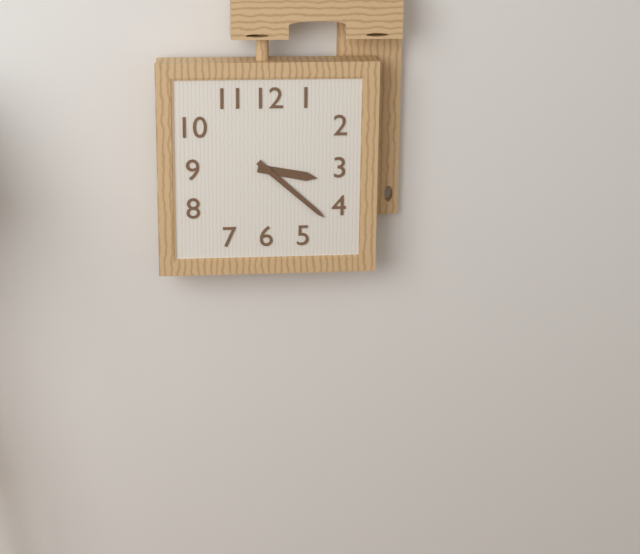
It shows **3:22**
